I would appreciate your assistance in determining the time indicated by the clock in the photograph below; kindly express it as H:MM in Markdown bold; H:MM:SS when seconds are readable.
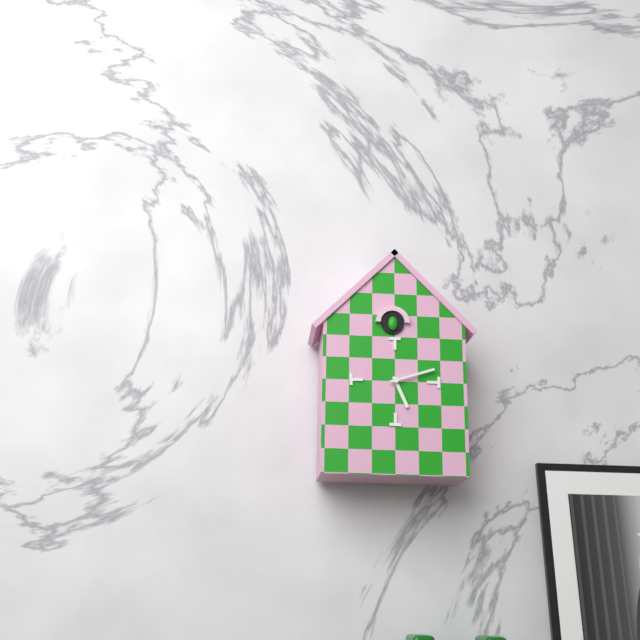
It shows **5:12**
